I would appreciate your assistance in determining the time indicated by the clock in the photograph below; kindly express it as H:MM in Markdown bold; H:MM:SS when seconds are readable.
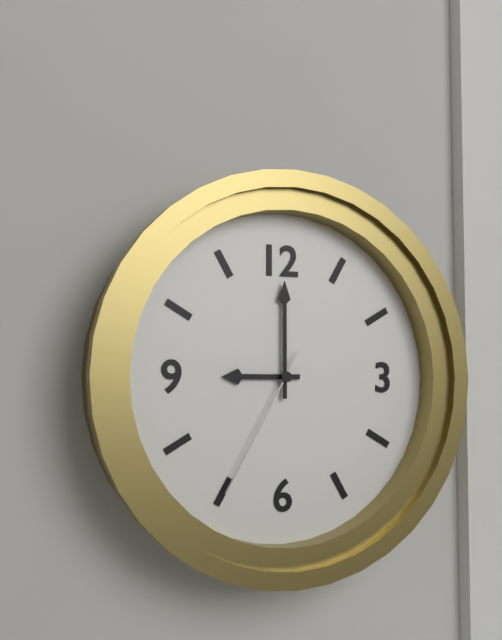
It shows **9:00:35**
